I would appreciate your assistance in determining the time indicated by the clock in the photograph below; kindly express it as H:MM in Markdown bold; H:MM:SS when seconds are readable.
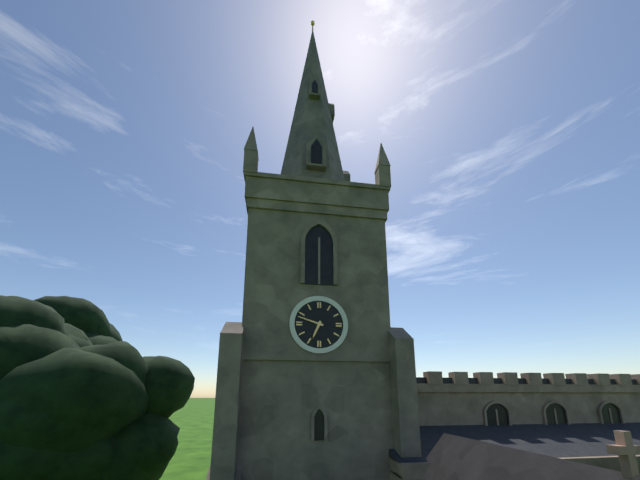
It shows **6:48**
